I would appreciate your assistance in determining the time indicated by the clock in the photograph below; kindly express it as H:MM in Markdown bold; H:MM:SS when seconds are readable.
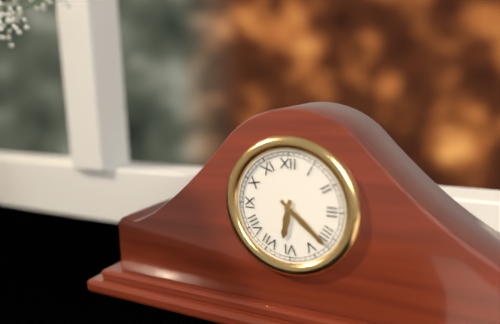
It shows **6:22**
